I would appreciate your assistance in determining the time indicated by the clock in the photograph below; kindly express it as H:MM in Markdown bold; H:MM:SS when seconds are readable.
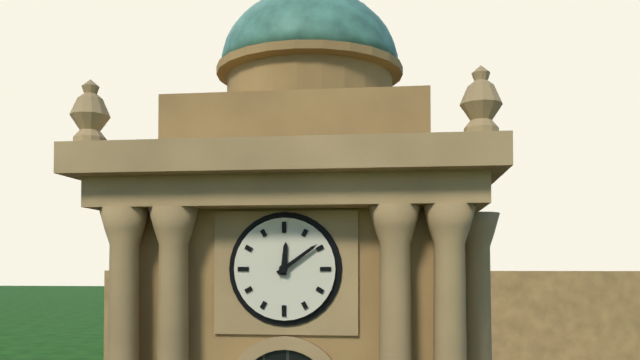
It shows **12:09**
